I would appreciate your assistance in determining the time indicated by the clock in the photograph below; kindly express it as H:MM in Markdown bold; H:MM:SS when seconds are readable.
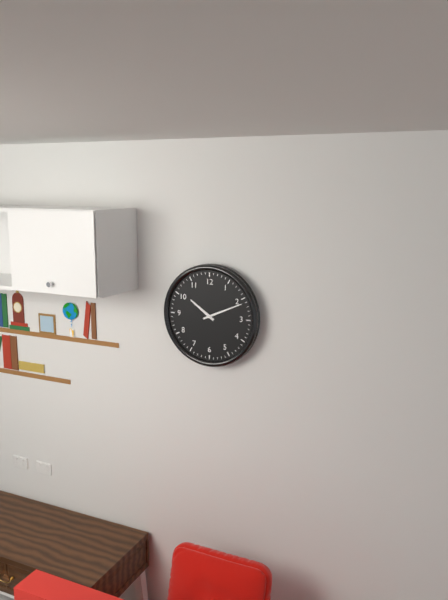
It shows **10:11**
